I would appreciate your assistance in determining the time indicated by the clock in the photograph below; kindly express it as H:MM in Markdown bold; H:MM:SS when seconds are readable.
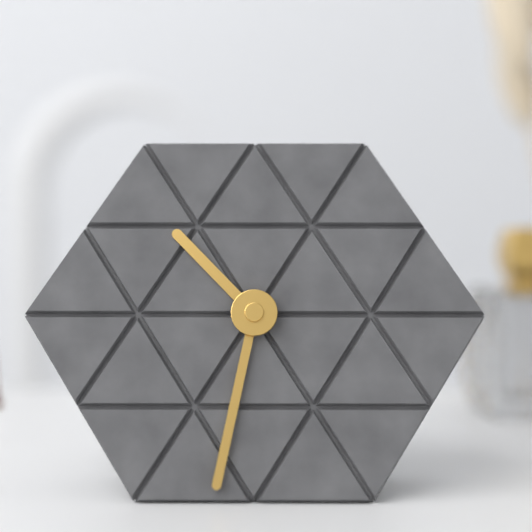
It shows **10:32**
